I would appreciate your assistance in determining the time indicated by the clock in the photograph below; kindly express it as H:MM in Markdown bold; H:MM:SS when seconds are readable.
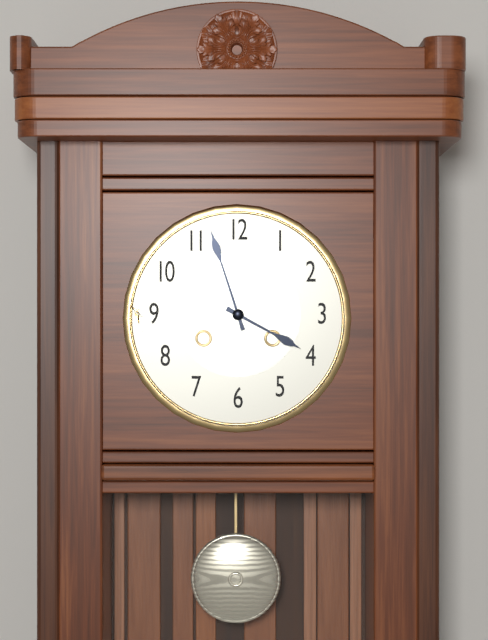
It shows **3:57**
